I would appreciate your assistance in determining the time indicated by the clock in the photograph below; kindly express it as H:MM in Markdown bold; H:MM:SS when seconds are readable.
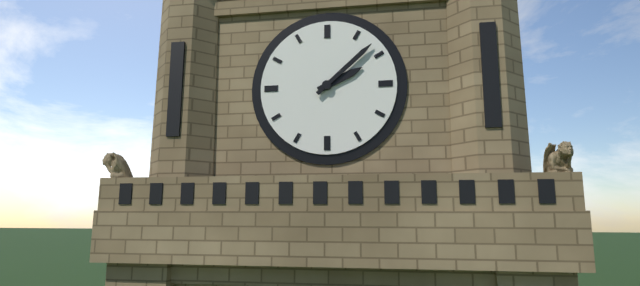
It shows **2:08**
